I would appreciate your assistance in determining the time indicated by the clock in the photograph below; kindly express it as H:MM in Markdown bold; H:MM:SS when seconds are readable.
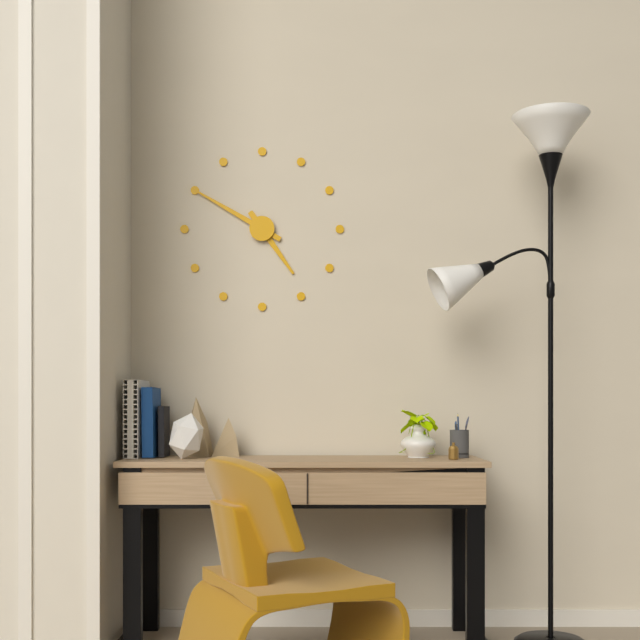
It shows **4:50**
